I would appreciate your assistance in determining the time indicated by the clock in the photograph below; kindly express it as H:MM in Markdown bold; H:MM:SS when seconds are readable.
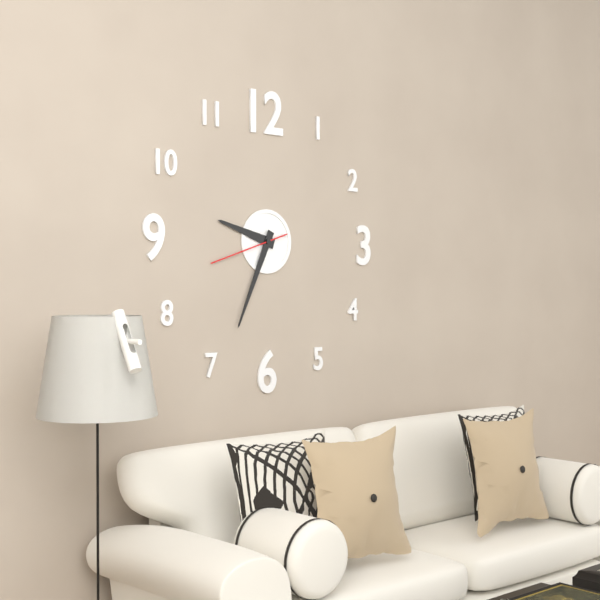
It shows **9:34:42**
